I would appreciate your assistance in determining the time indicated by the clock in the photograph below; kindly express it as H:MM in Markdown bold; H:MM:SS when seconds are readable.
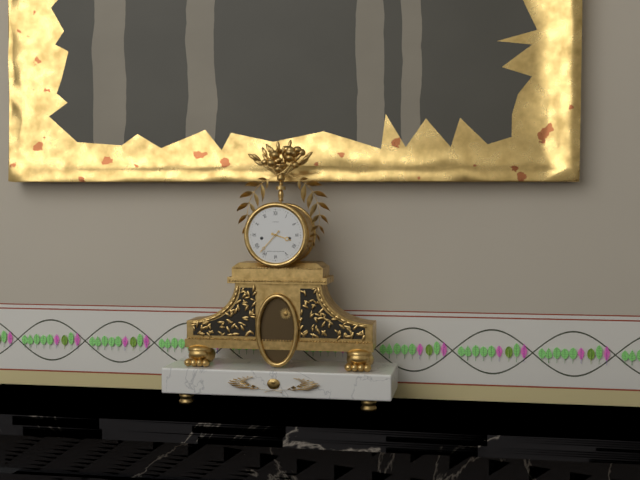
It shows **3:37**
